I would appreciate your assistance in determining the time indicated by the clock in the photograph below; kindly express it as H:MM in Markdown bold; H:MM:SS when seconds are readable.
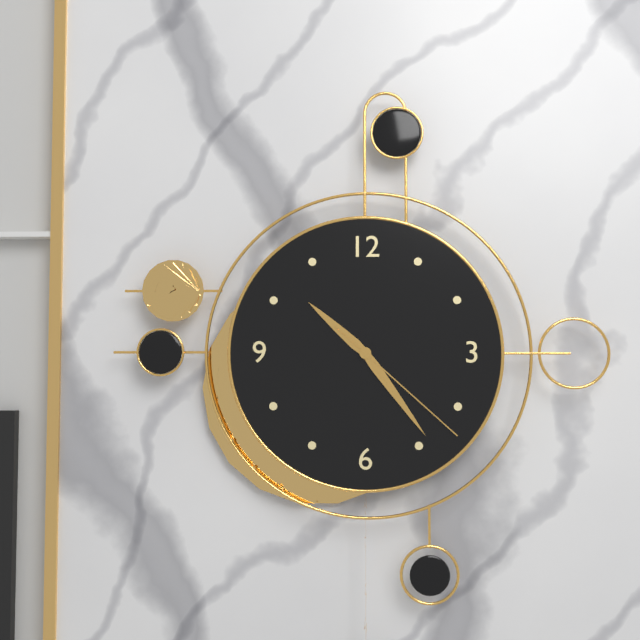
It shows **10:24:22**
